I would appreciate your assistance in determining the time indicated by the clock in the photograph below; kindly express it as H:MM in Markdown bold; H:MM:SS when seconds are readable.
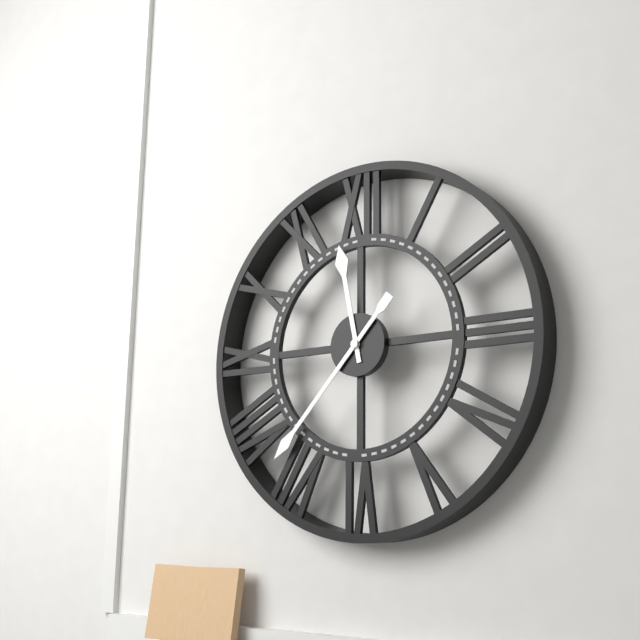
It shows **11:37**
